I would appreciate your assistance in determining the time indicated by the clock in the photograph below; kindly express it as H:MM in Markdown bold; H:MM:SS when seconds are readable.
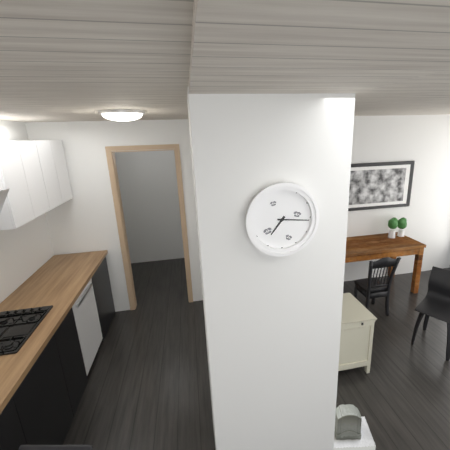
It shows **7:16**
